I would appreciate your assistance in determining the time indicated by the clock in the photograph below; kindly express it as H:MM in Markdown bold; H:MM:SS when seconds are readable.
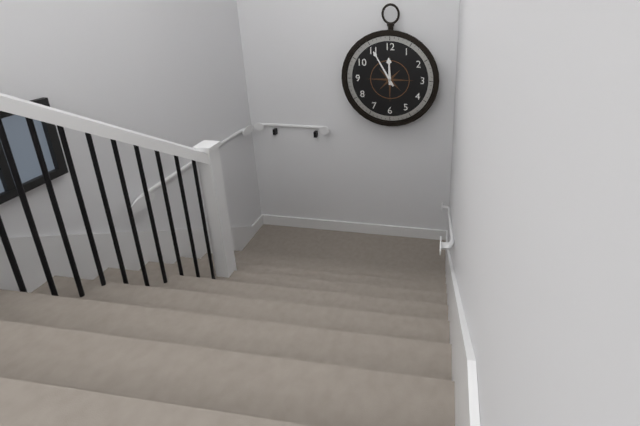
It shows **11:55**
